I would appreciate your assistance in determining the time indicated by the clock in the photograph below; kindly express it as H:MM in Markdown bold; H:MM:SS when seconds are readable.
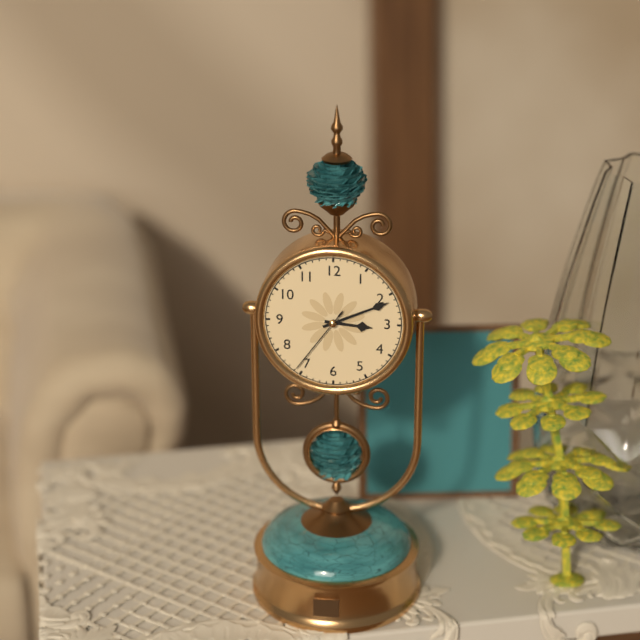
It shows **3:11:36**
